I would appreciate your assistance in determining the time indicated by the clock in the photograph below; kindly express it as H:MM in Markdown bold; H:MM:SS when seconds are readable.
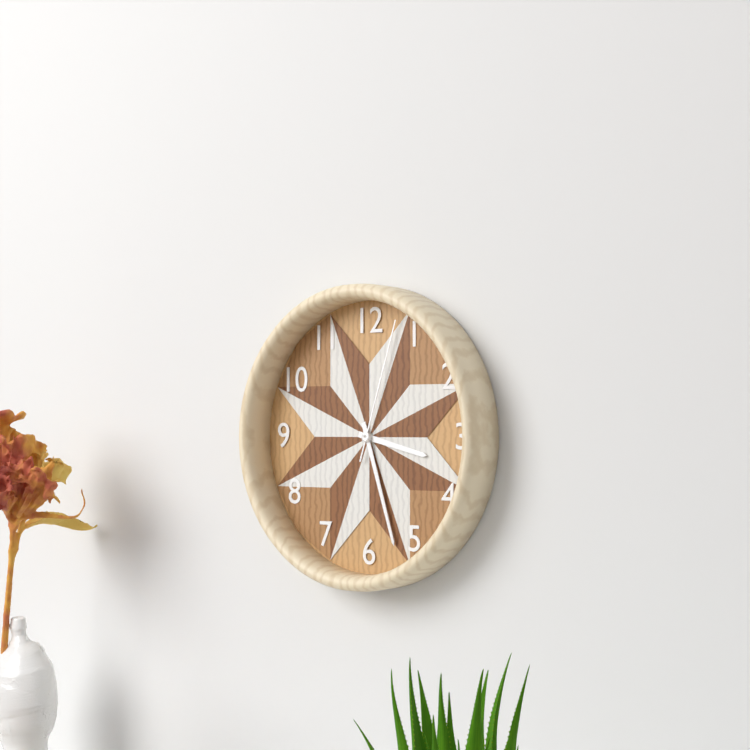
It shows **3:27:03**
